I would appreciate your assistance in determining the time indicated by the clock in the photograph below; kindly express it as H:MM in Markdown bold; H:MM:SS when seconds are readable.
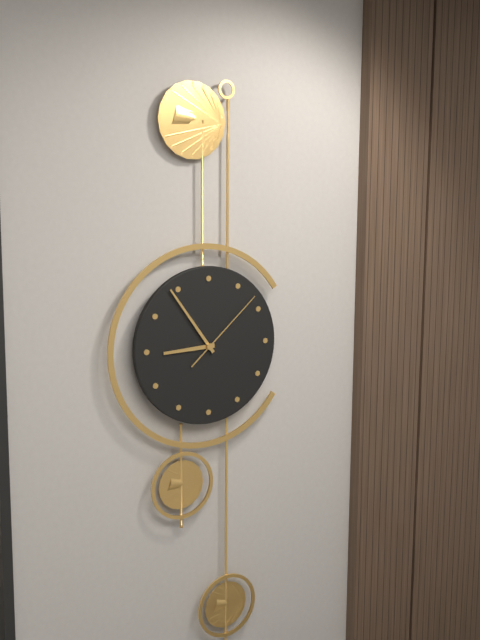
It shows **8:54:08**
